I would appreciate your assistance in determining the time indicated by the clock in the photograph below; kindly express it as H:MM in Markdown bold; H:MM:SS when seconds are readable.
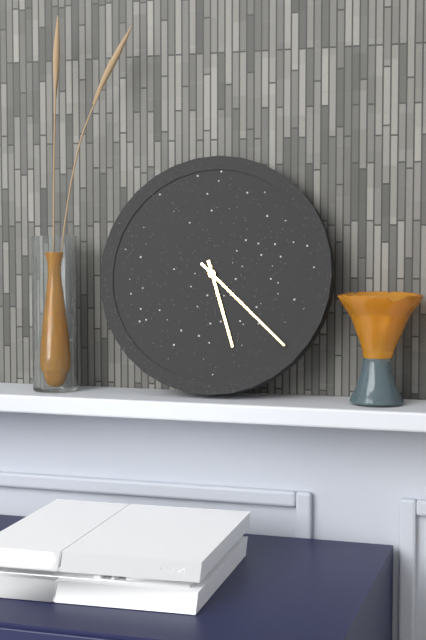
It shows **5:22**
